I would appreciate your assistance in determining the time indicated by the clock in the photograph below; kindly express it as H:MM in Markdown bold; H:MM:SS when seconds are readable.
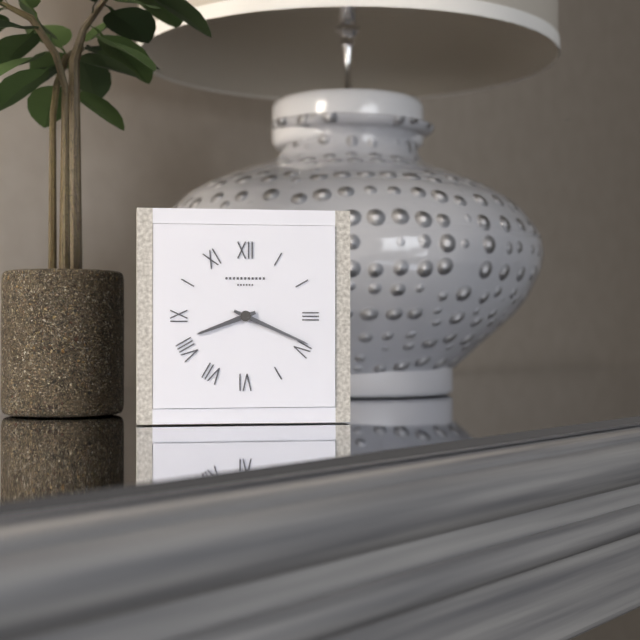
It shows **8:19**
